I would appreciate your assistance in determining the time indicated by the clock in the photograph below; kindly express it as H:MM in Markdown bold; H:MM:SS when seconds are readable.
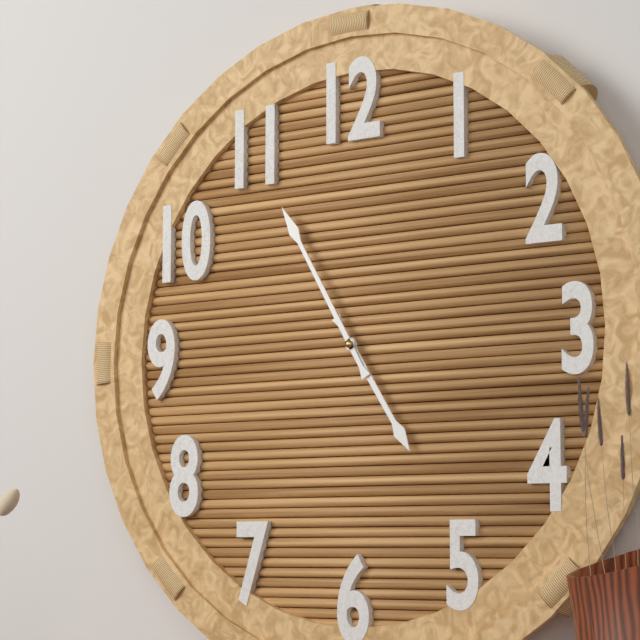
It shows **4:55**
